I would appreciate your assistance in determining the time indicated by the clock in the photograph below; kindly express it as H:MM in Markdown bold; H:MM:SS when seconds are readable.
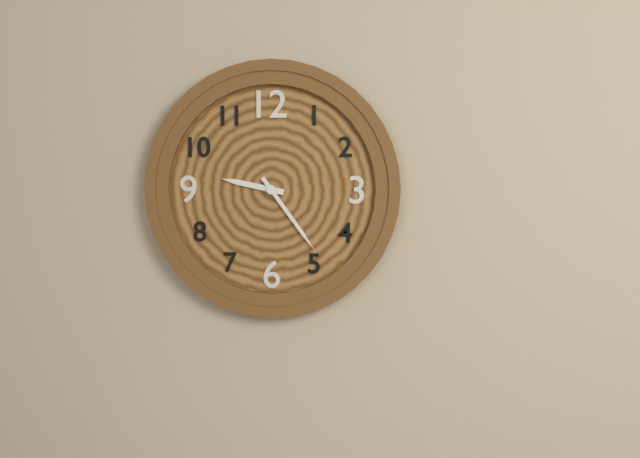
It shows **9:24**
